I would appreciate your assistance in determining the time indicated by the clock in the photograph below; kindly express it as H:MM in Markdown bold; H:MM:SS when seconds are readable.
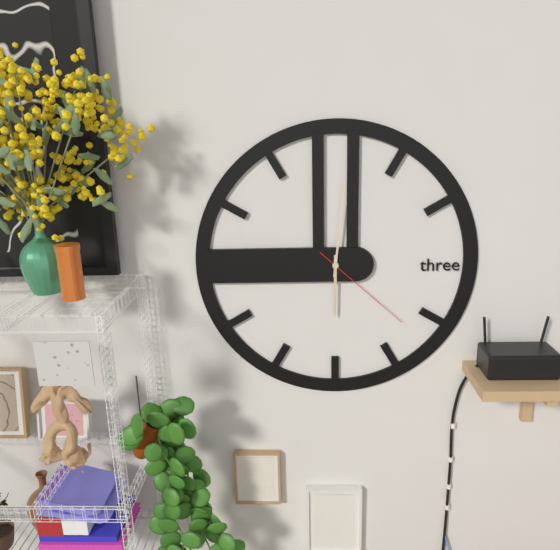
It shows **6:01:22**
